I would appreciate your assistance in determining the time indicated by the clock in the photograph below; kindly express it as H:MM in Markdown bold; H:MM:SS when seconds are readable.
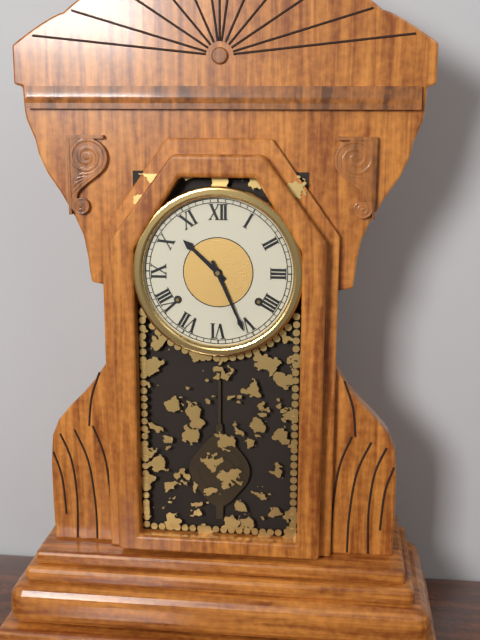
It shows **10:26**
